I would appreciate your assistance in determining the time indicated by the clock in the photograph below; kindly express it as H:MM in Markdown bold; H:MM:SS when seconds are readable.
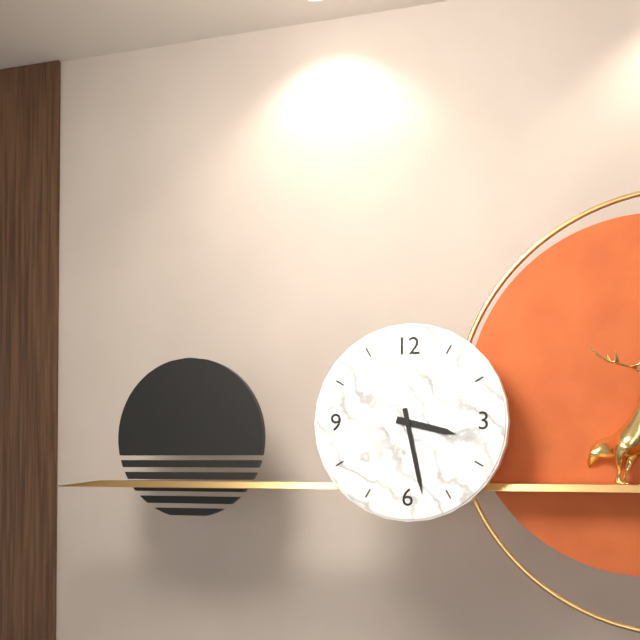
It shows **3:28**
